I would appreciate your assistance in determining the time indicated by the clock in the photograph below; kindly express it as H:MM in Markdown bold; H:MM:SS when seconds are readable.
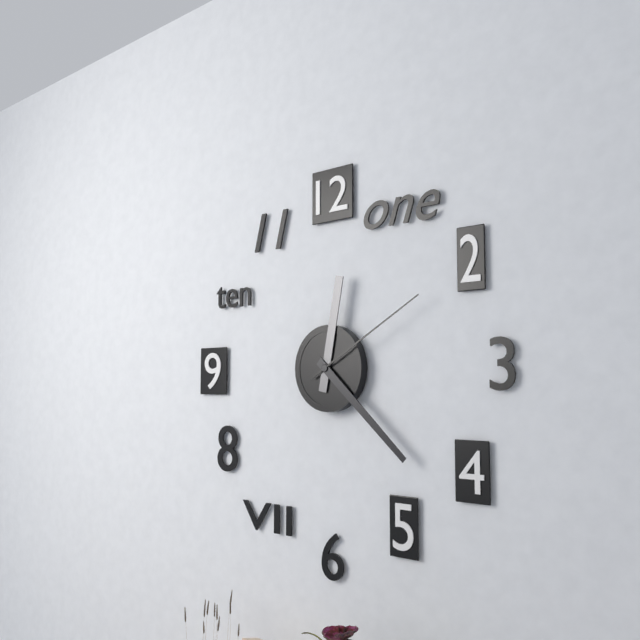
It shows **12:22:10**
